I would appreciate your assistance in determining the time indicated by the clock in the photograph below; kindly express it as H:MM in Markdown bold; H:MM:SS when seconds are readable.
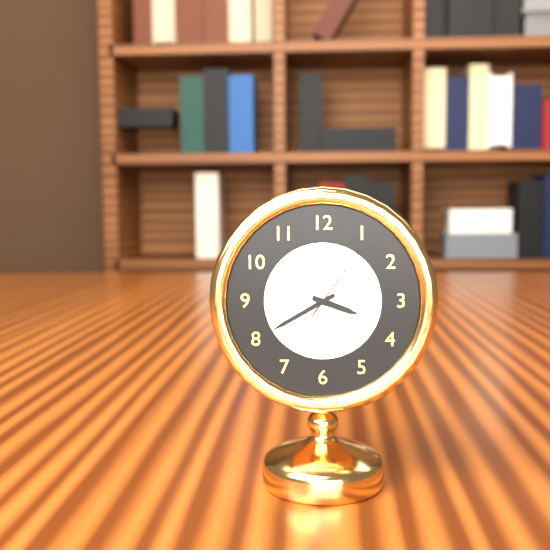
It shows **3:40:06**
